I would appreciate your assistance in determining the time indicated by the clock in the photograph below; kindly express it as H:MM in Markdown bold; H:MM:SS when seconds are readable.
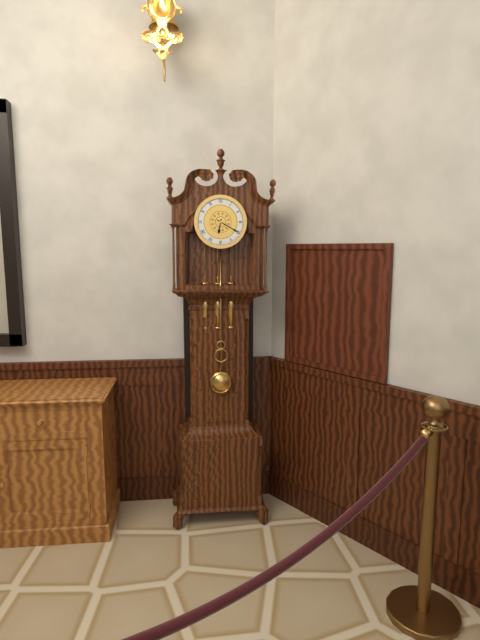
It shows **6:20**
